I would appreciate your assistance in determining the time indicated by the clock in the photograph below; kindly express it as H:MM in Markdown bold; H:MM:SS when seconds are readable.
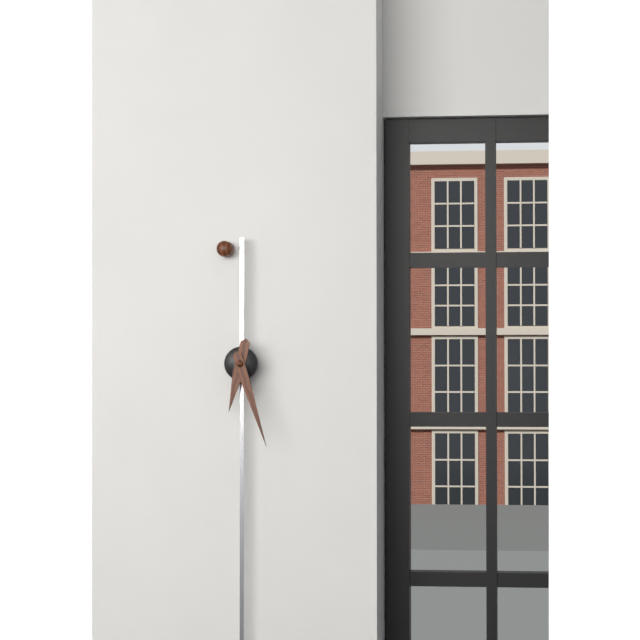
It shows **6:27**
